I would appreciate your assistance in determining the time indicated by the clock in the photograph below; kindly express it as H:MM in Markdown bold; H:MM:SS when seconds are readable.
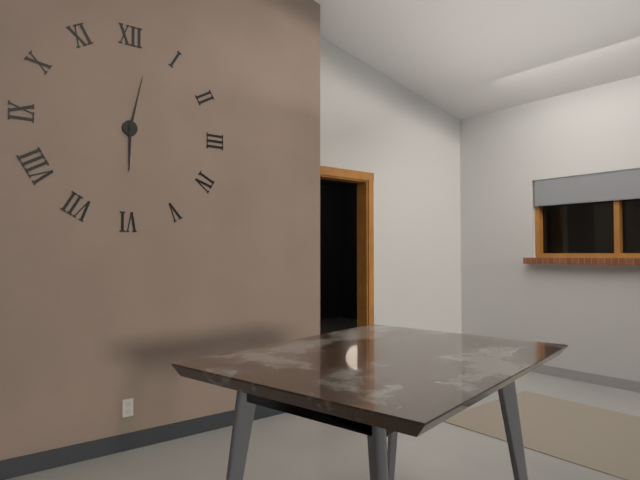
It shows **6:02**
